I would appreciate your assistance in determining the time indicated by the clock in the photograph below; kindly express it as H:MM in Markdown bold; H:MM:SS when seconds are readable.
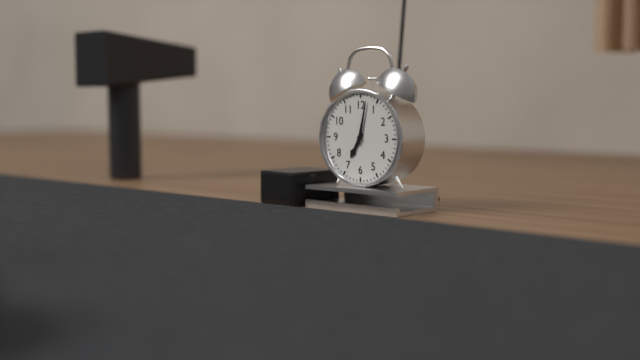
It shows **7:02**
